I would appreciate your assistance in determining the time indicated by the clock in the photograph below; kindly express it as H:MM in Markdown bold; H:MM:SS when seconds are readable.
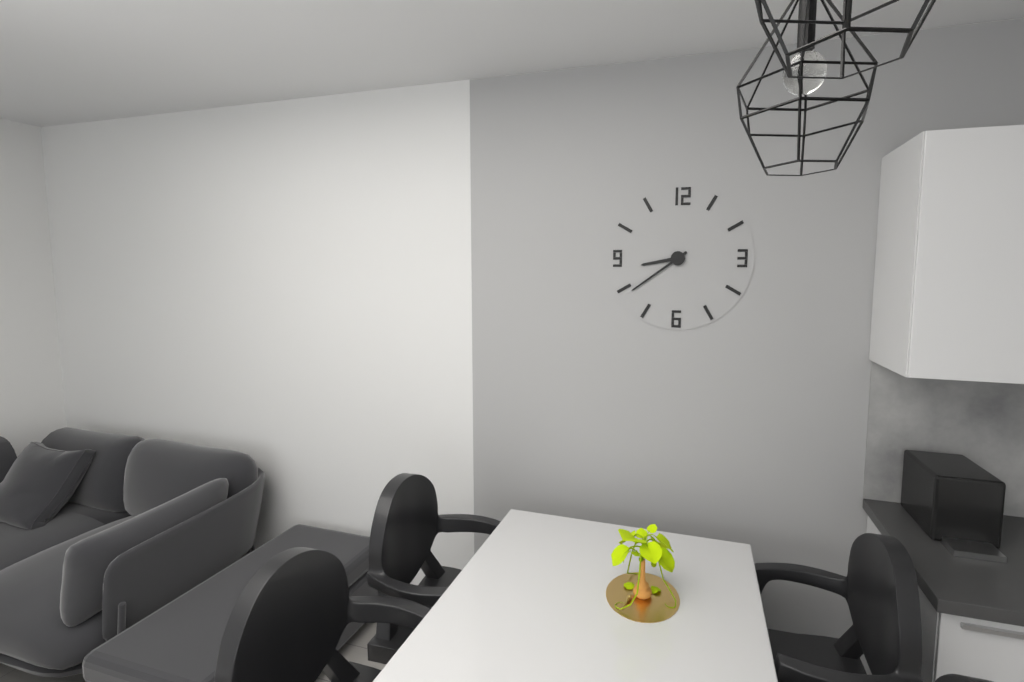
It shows **8:39**
